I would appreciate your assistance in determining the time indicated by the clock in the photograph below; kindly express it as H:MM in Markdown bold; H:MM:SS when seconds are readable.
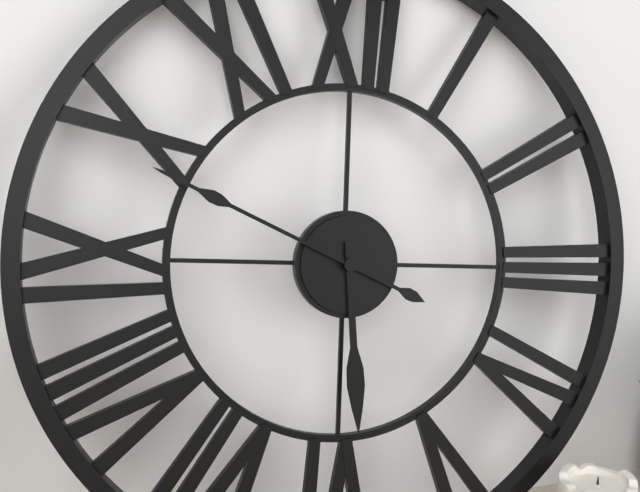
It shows **5:49**
